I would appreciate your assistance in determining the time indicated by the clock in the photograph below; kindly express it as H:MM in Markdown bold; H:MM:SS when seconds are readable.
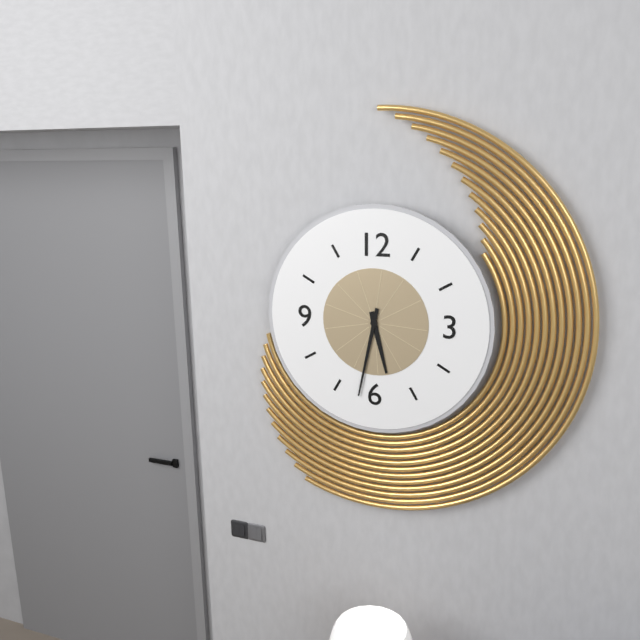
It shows **5:32**
